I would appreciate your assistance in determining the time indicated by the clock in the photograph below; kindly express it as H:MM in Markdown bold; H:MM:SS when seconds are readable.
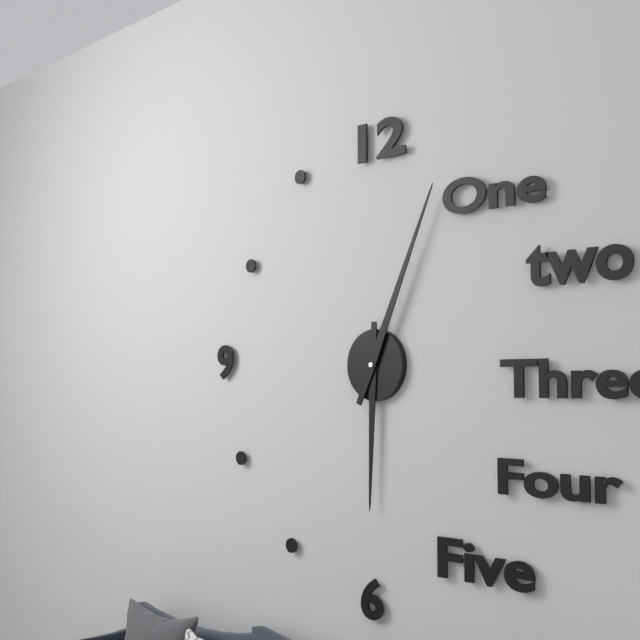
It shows **6:04**
